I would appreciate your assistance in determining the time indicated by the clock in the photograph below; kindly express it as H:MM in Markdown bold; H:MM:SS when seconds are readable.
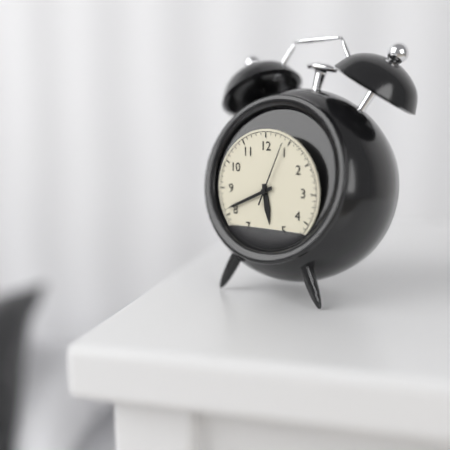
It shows **5:41:04**
